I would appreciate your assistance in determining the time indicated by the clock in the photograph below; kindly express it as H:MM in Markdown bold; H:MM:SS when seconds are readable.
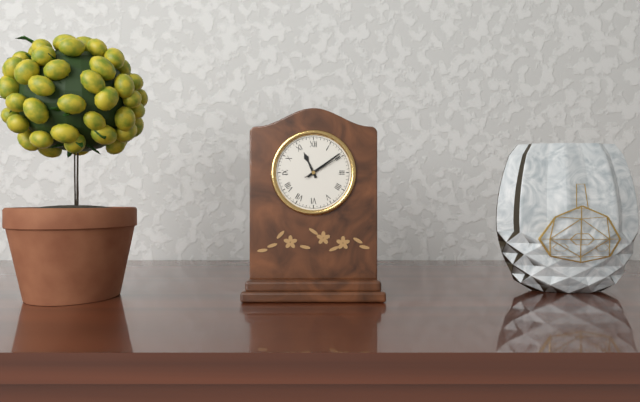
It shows **11:09**
